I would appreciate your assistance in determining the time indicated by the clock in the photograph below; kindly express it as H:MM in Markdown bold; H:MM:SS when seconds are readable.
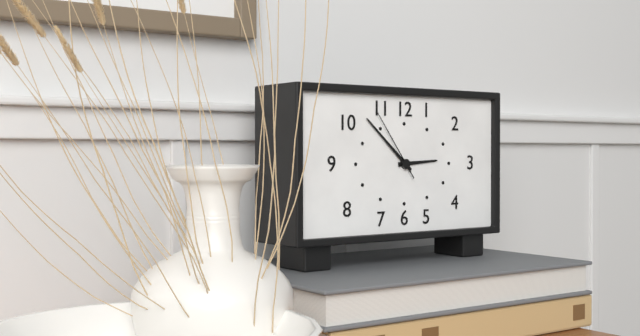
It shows **2:52:54**
